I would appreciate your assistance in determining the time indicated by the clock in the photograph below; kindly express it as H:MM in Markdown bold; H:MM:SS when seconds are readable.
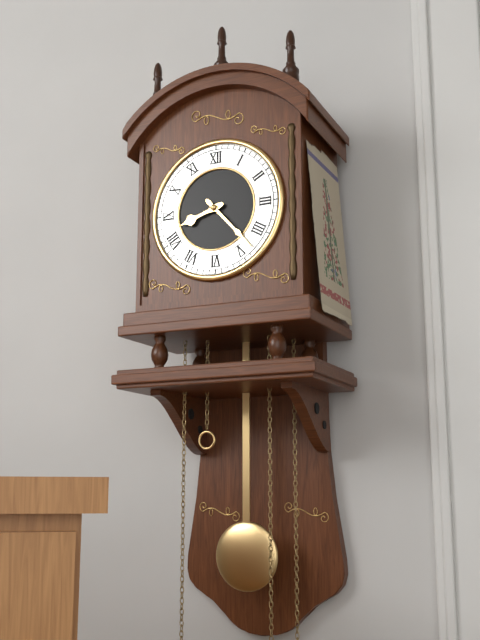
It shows **8:23**
